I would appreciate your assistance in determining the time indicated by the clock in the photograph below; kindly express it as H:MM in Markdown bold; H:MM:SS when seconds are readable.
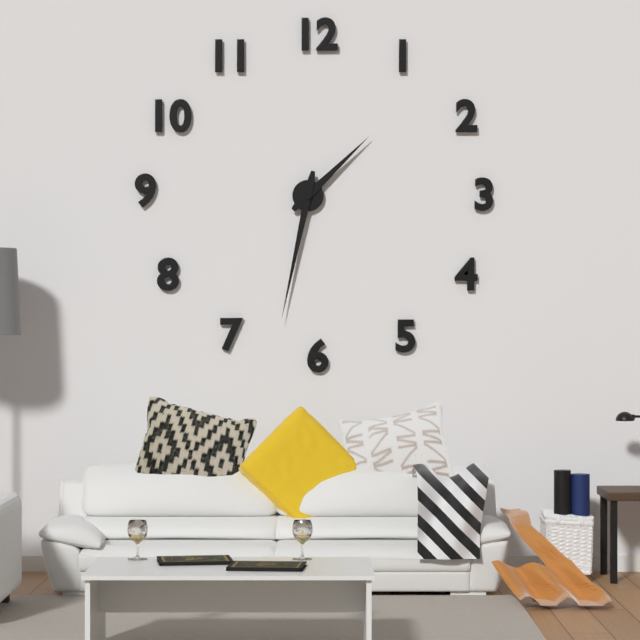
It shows **1:32**
